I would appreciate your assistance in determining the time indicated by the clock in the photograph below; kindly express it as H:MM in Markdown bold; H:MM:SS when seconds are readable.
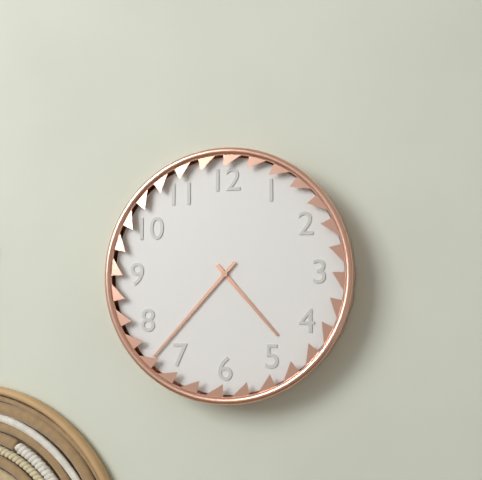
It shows **4:37**
